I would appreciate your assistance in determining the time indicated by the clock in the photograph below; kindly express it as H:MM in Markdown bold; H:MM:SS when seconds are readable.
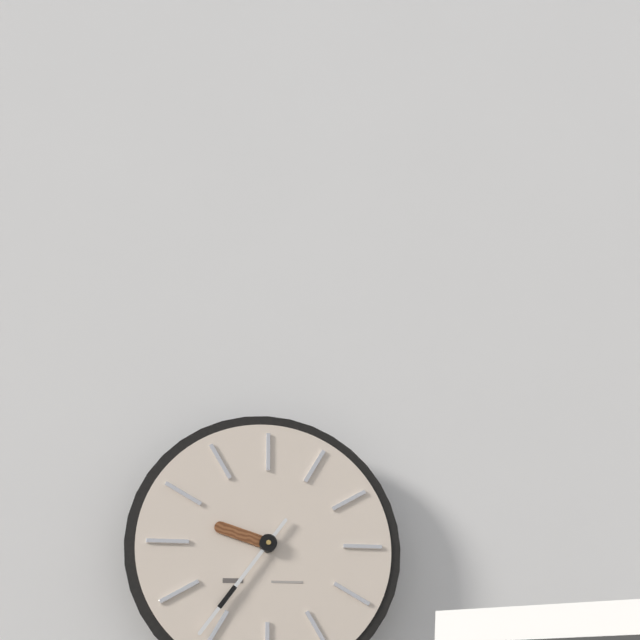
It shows **9:36**
